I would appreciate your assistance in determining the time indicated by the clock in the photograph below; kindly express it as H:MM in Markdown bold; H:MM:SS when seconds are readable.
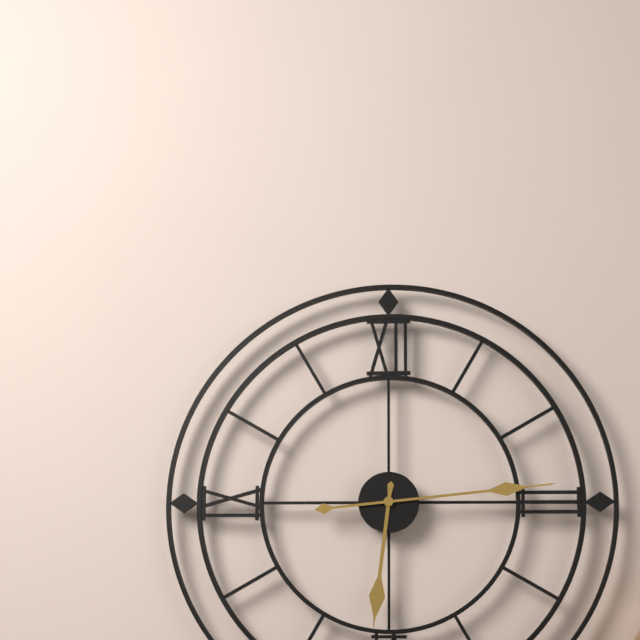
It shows **6:14**
